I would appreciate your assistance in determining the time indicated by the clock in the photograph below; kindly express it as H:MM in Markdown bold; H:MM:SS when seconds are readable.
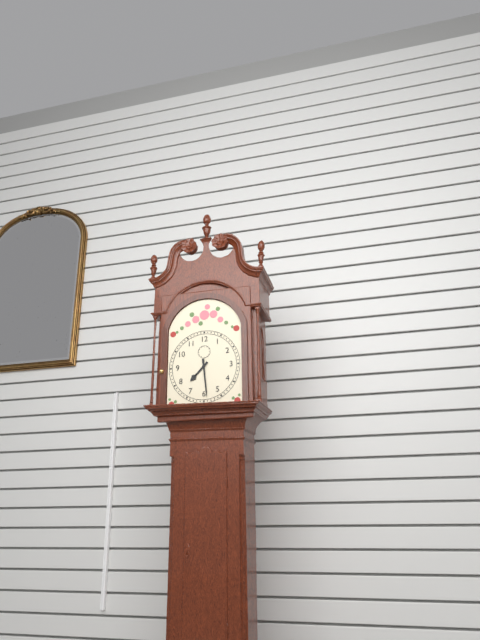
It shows **7:29**
